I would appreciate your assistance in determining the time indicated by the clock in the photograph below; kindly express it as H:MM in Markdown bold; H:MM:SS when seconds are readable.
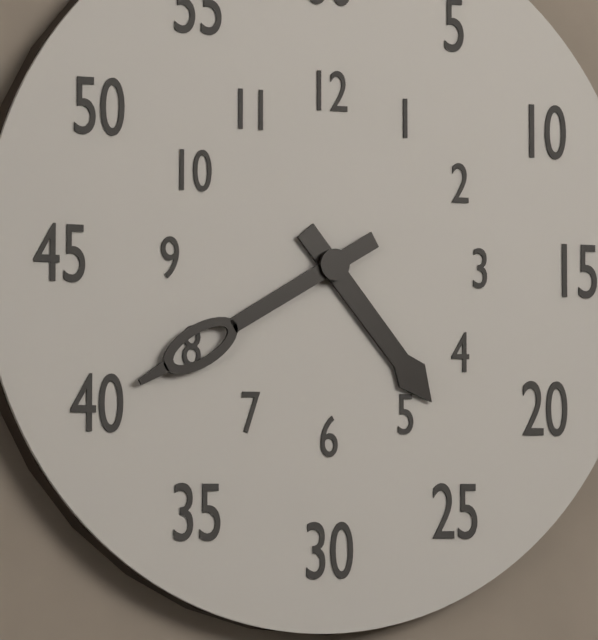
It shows **4:40**
